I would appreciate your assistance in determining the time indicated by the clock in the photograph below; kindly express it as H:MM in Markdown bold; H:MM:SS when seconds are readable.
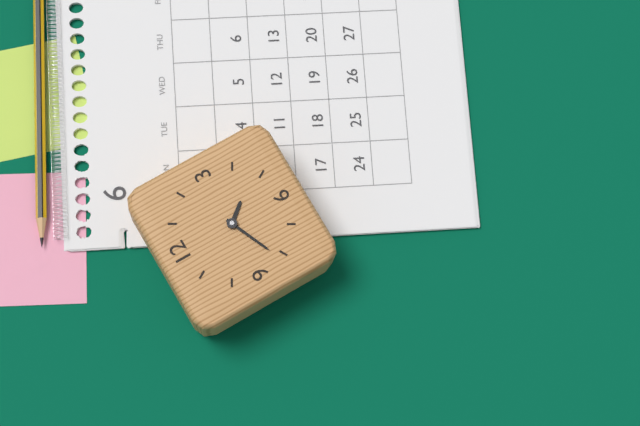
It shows **4:41**
